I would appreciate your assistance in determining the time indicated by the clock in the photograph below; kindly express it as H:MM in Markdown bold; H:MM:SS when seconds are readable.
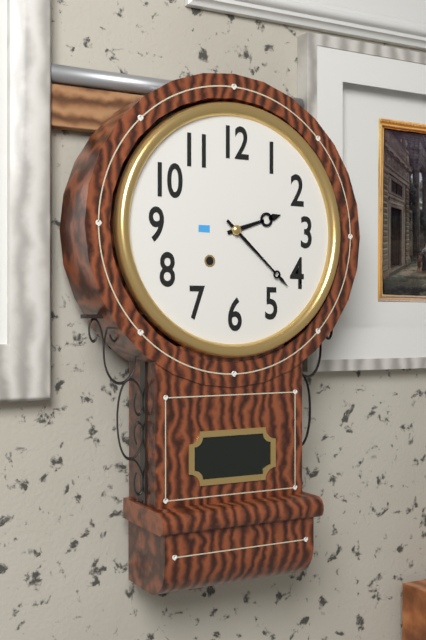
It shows **2:22**
